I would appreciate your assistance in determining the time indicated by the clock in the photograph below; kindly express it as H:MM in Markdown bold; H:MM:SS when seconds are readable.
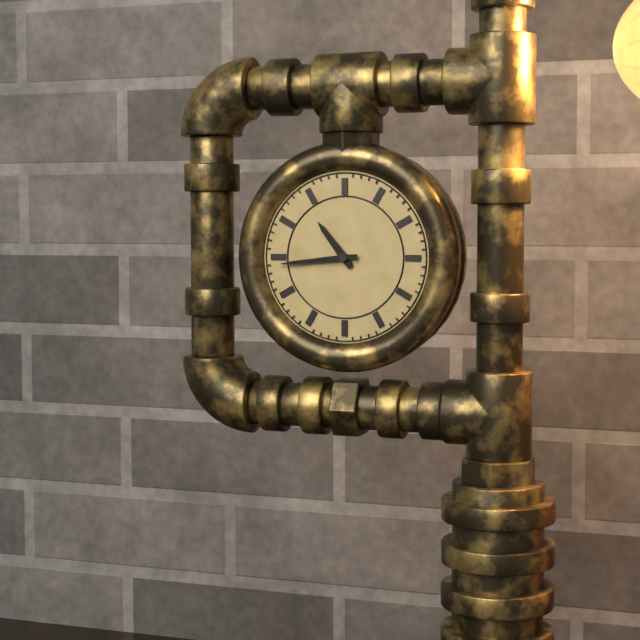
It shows **10:44**
